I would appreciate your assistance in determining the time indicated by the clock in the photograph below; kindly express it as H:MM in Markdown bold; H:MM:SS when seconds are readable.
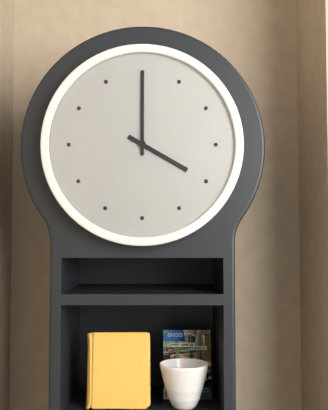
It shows **4:00**
